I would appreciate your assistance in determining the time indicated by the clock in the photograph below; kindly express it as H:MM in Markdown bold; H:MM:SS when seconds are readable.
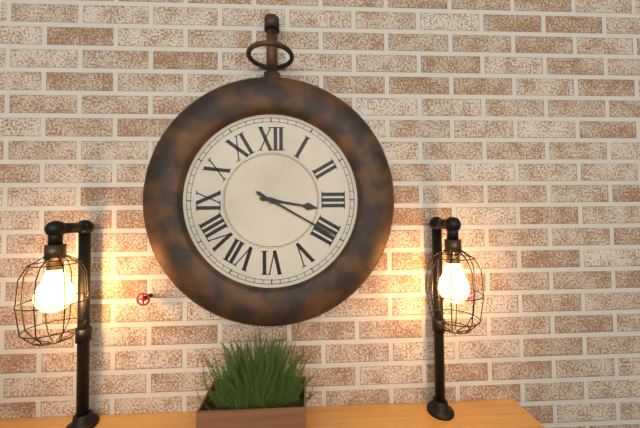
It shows **3:20**
